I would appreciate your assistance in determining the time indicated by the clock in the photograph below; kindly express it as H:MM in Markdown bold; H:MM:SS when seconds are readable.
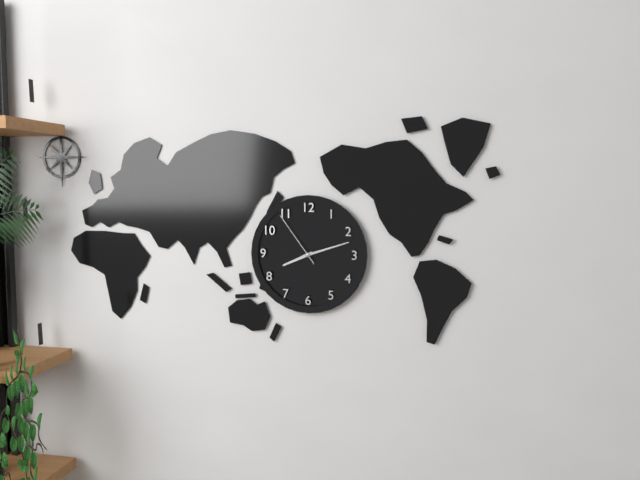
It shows **8:12:54**
